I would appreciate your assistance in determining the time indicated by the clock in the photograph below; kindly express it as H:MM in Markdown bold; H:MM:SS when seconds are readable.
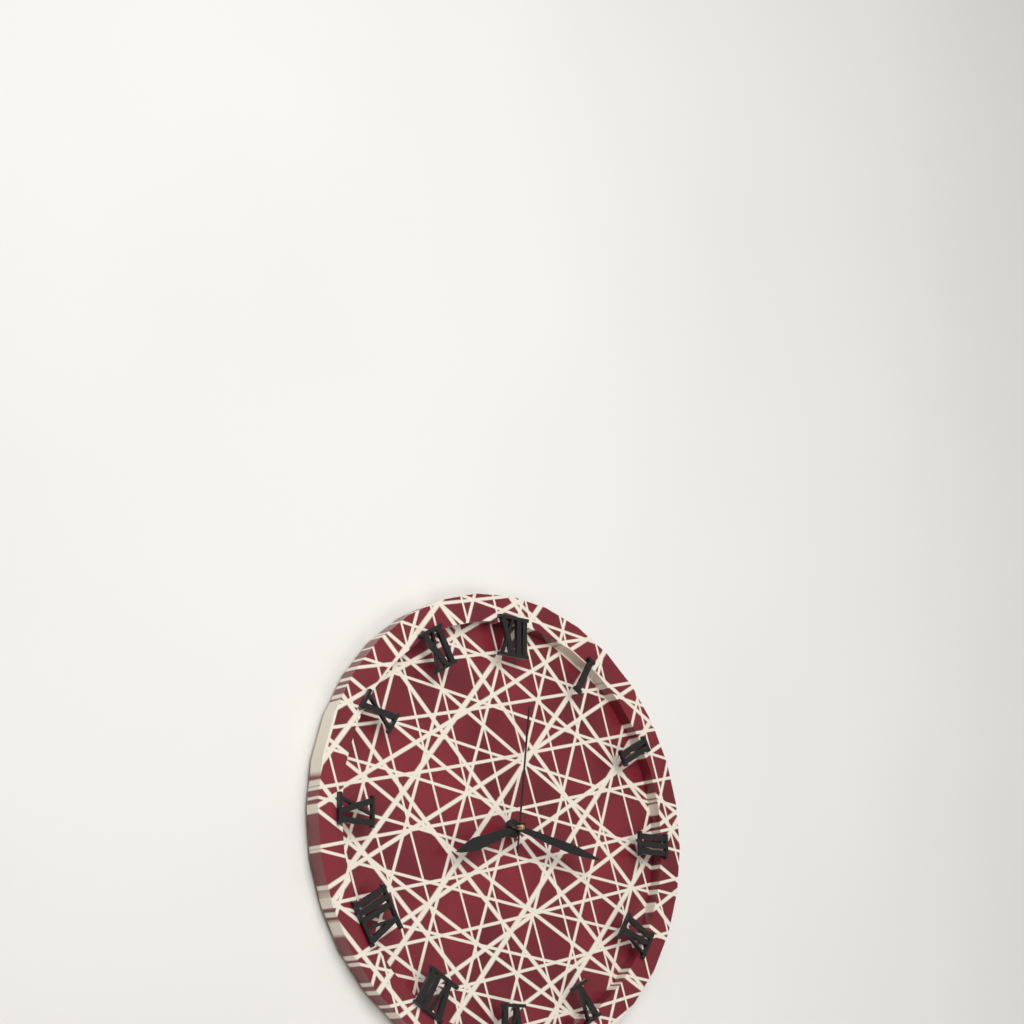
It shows **8:17:01**
